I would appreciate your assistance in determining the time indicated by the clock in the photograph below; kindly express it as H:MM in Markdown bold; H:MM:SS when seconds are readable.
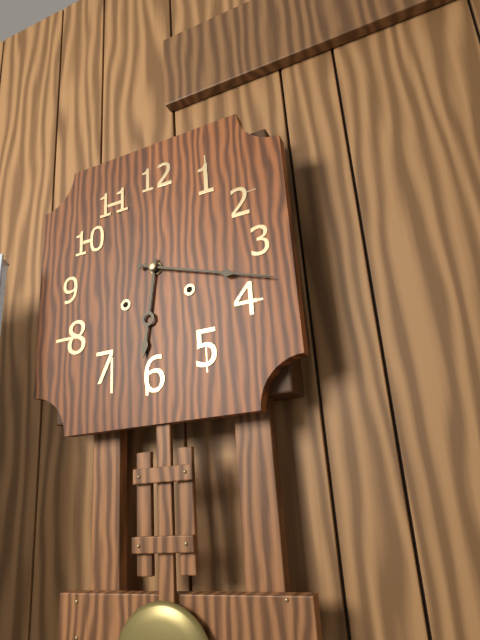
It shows **6:18**
